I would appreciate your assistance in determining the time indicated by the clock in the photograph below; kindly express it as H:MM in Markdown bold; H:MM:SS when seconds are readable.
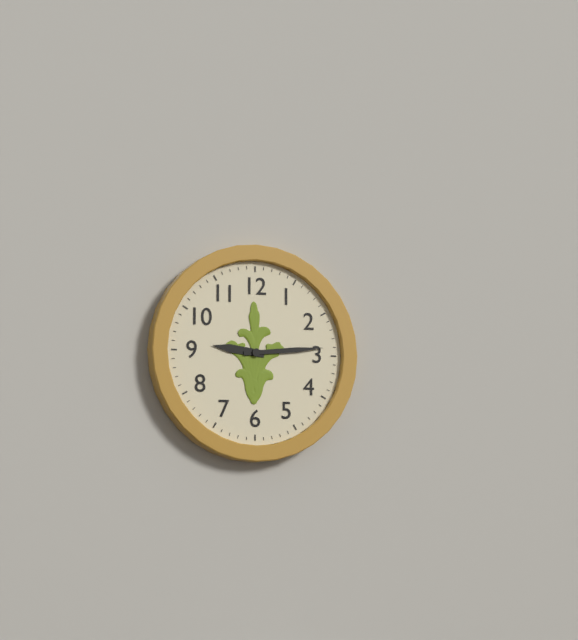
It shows **9:14**
